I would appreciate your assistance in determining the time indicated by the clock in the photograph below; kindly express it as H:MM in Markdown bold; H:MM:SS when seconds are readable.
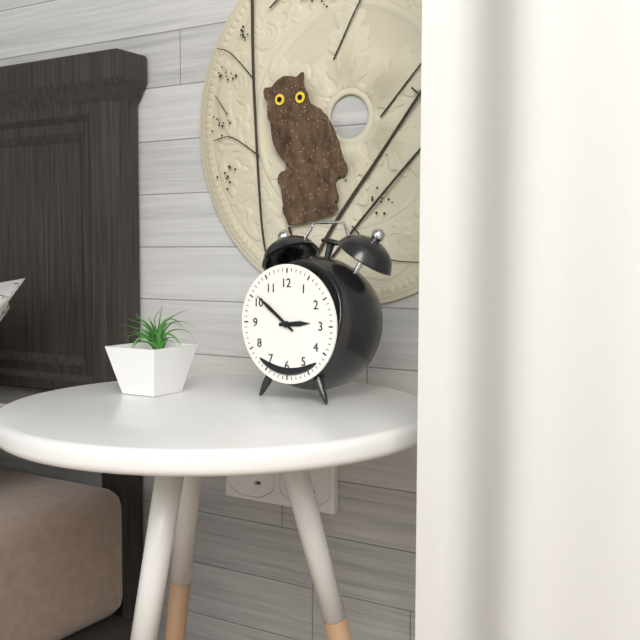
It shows **2:51**
